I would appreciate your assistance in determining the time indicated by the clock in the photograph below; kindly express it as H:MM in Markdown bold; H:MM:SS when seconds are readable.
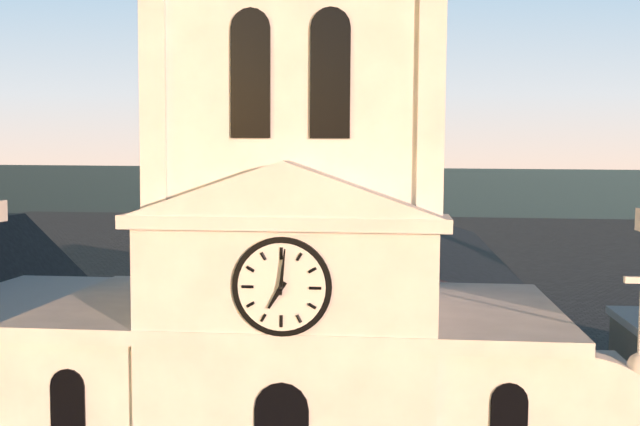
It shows **7:01**
